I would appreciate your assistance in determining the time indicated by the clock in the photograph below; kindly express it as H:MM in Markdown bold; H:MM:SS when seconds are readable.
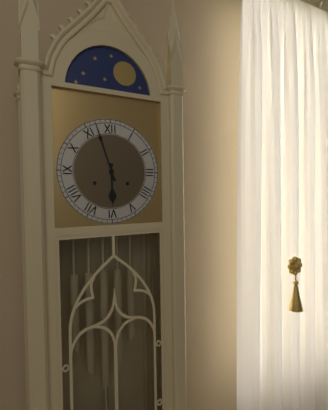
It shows **5:57**
